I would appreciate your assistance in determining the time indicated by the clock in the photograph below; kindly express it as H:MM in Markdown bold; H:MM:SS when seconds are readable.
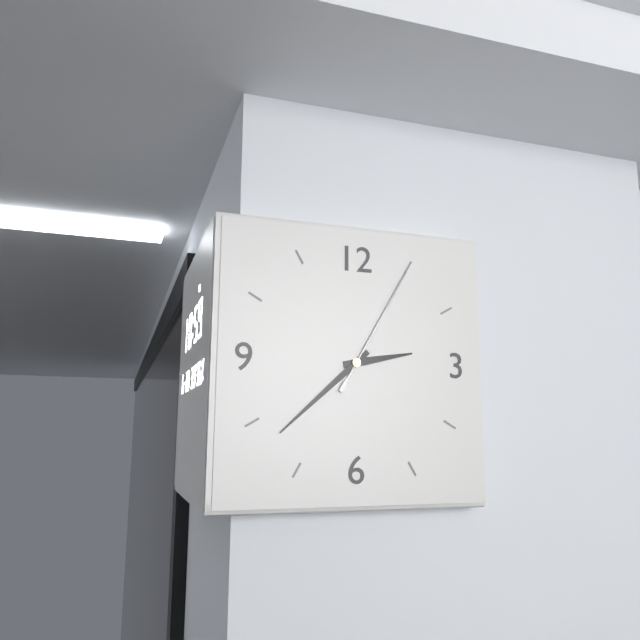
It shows **2:38:05**
